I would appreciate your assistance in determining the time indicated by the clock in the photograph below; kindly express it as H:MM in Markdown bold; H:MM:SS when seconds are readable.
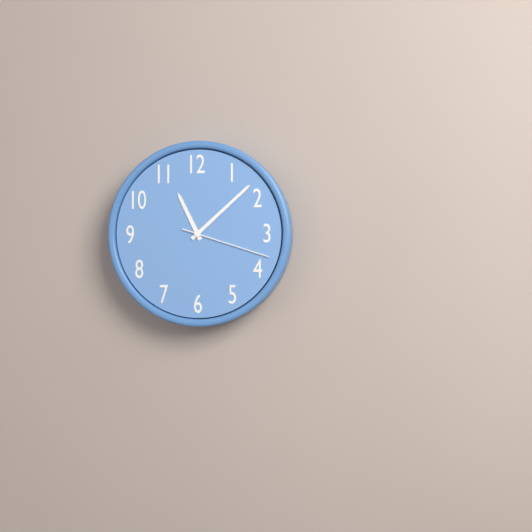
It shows **11:08:18**
